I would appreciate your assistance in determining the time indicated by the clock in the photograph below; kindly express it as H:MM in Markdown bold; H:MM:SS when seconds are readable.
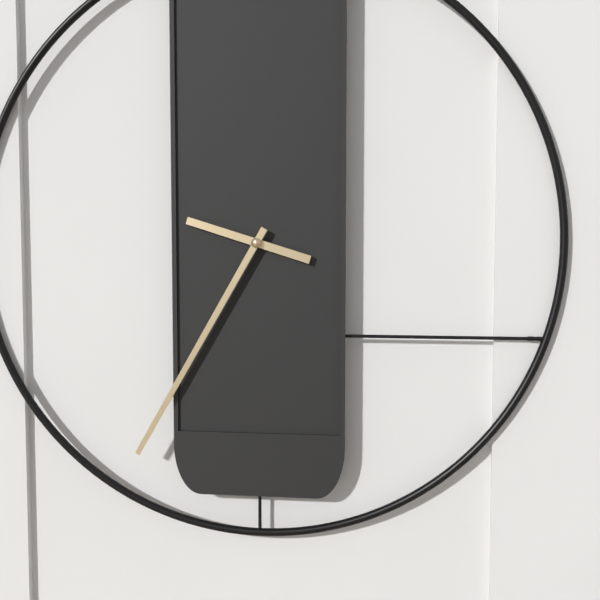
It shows **9:35**
